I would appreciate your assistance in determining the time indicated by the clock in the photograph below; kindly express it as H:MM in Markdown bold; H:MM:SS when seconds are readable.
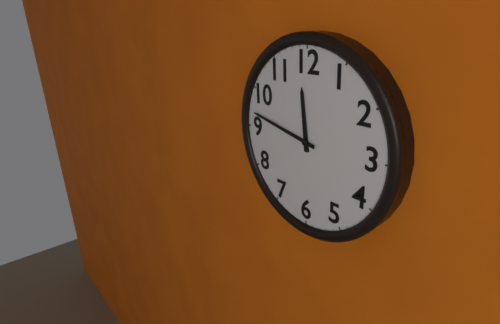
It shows **11:47**
